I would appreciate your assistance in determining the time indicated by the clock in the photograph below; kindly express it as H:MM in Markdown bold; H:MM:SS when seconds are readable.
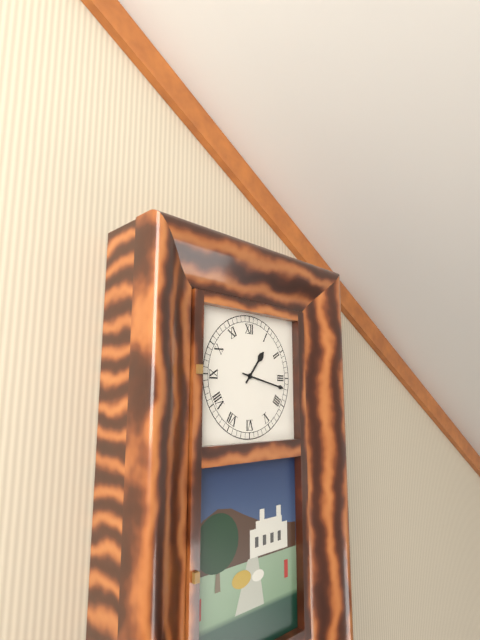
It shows **1:17**
